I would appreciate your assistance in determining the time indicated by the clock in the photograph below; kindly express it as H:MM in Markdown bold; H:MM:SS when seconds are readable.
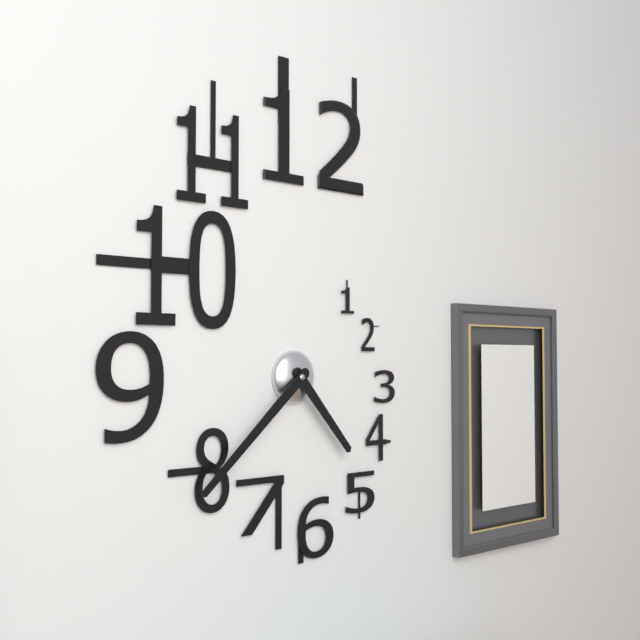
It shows **4:38**
